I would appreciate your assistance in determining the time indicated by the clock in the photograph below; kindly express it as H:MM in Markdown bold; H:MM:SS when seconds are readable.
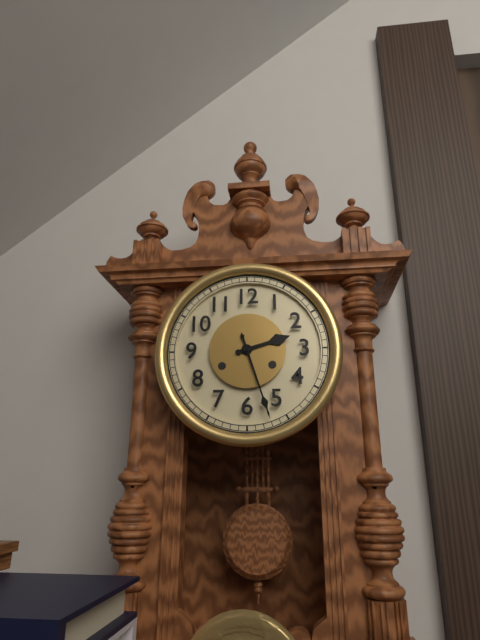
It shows **2:27**
